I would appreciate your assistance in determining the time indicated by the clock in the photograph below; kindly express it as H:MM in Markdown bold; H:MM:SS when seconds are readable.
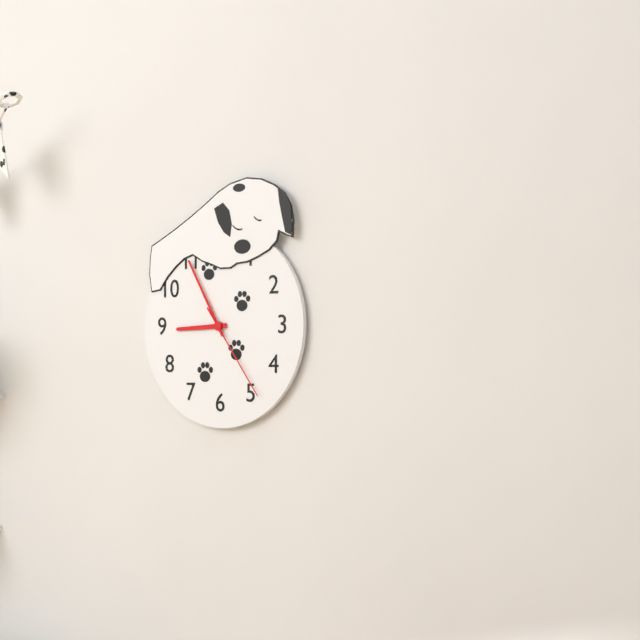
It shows **8:55:24**
